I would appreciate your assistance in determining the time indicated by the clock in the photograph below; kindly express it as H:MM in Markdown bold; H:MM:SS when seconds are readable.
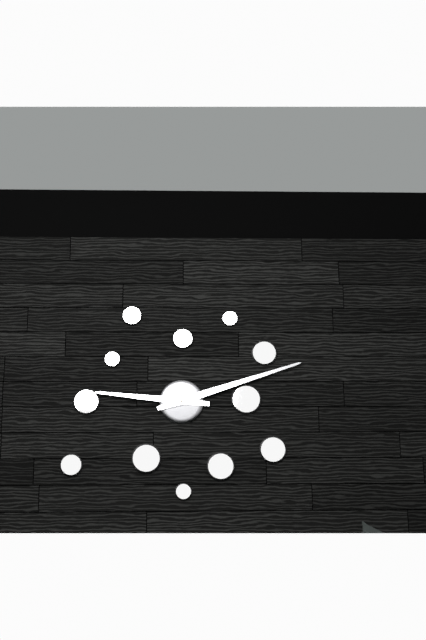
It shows **9:12**
